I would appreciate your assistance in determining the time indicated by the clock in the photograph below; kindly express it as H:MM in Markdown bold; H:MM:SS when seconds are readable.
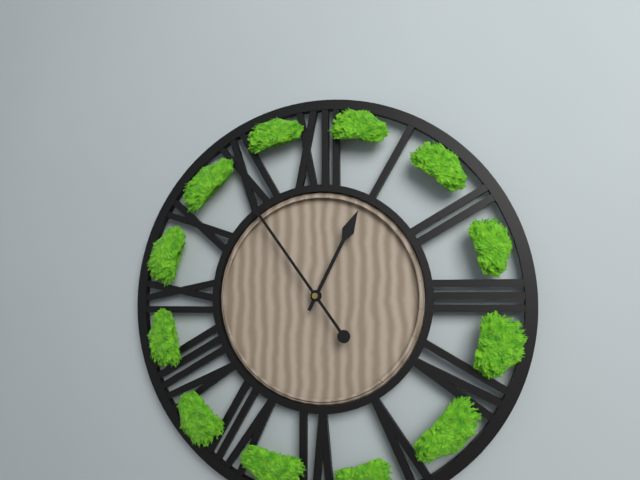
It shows **12:54**
